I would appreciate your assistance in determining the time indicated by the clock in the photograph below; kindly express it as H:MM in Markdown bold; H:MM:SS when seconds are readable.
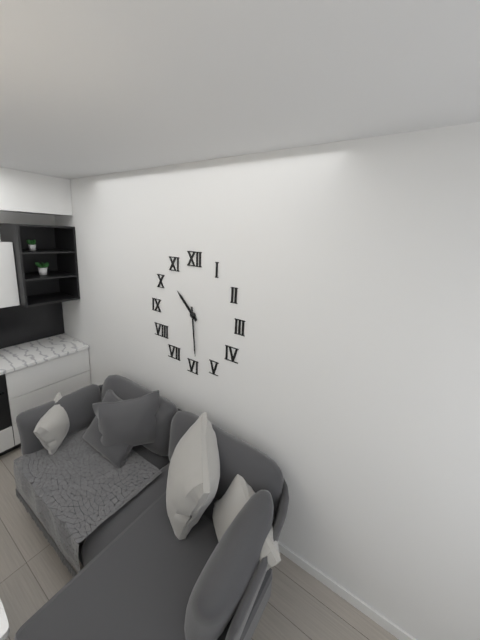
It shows **10:29**
